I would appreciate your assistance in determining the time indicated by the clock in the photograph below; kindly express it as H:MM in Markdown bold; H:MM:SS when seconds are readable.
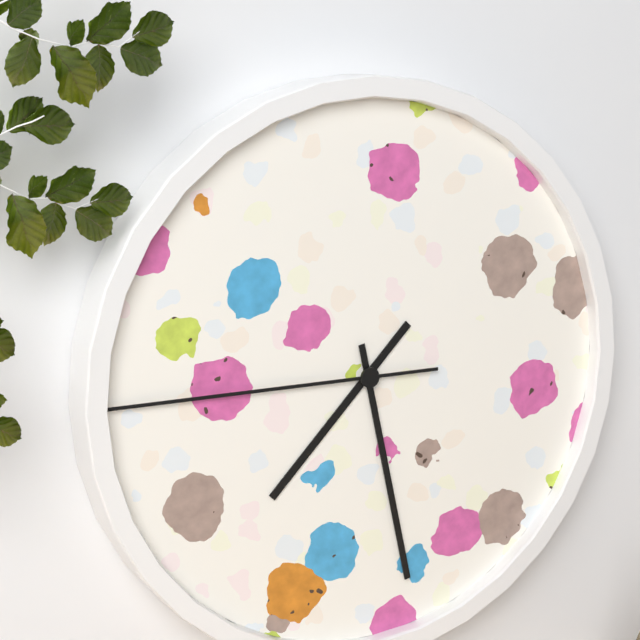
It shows **7:28:45**
